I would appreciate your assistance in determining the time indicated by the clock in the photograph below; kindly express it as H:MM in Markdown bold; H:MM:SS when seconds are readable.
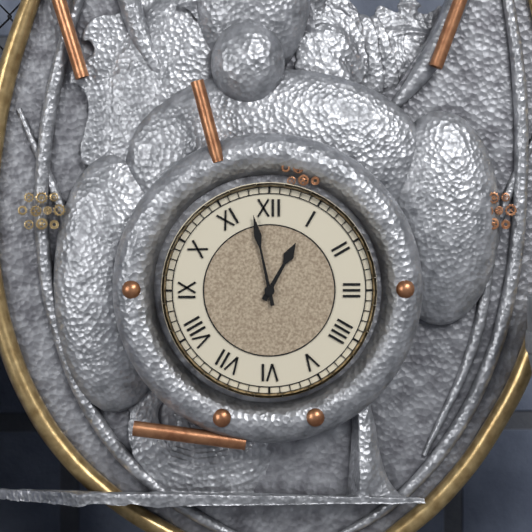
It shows **12:58**
